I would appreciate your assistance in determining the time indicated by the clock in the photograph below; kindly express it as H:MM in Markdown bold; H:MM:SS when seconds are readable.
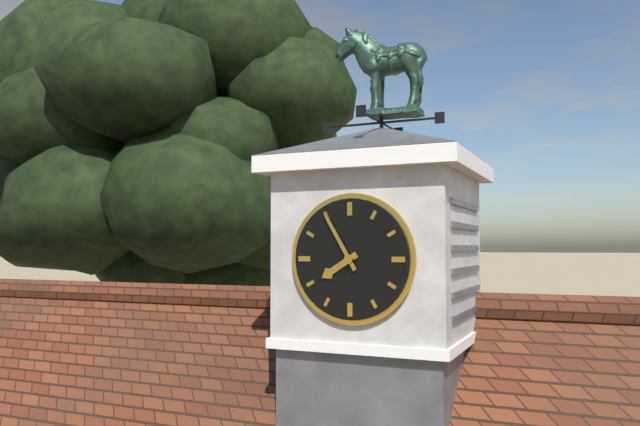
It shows **7:55**
